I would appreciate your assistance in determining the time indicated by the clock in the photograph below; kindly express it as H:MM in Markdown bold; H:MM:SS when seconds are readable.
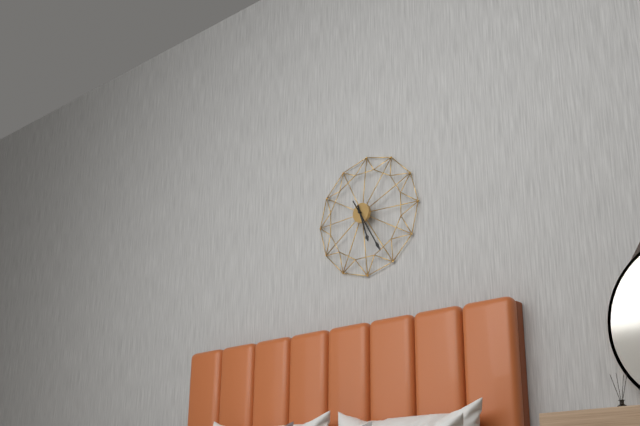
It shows **5:25**
